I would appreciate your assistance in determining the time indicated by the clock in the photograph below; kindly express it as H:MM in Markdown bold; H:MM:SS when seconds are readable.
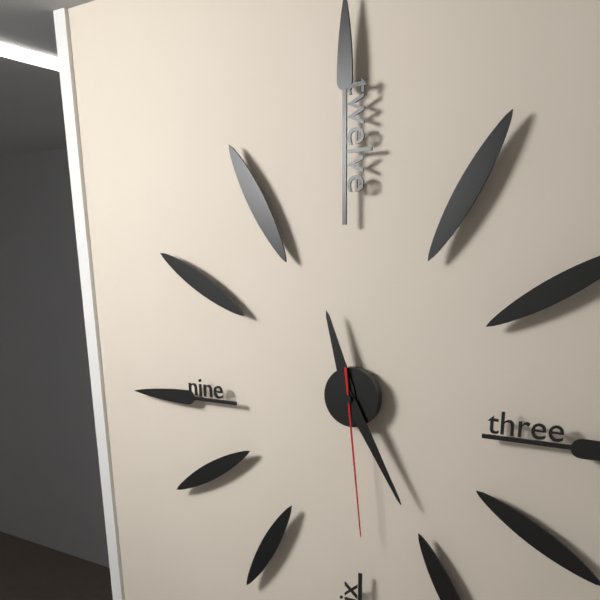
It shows **11:25:29**
